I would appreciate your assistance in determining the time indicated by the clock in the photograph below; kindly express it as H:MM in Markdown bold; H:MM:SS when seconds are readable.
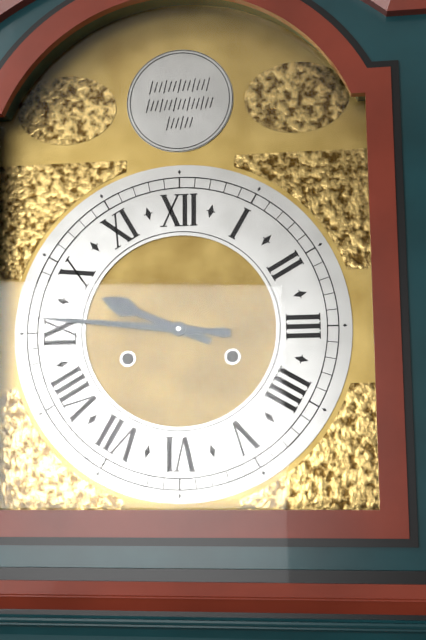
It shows **9:46**
